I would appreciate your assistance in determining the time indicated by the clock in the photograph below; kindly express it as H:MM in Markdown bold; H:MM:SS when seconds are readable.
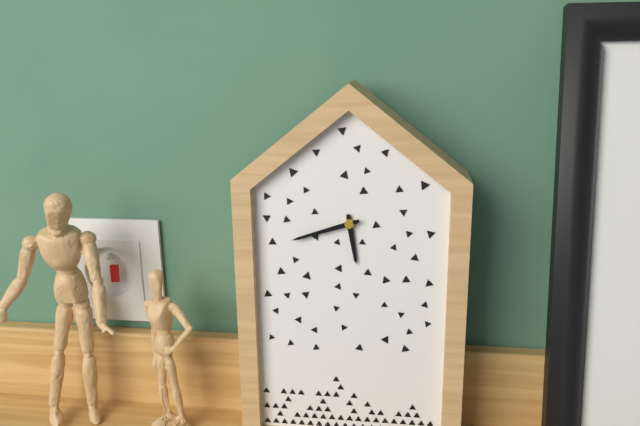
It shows **5:42**
